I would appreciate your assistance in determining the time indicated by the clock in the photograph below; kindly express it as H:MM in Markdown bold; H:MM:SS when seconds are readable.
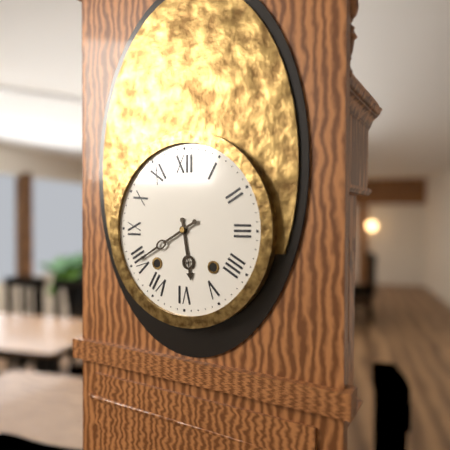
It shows **5:40**
